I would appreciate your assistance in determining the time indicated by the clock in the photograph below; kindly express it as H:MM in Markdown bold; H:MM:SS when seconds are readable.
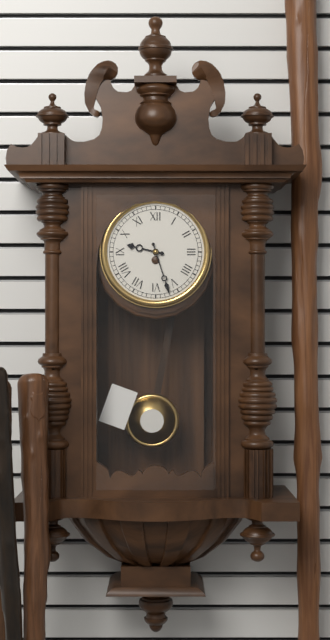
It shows **9:27**
